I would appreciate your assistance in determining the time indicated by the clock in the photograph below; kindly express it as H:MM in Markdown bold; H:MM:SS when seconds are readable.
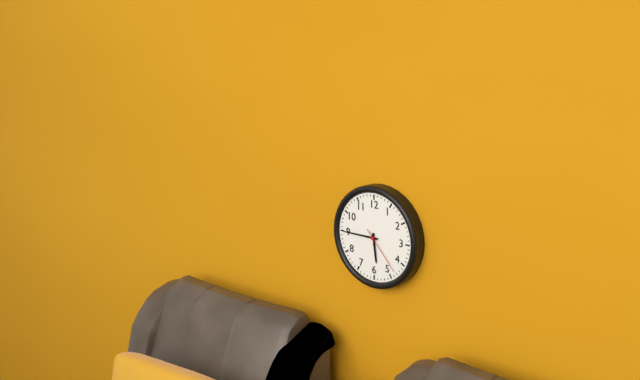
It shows **5:45:23**
